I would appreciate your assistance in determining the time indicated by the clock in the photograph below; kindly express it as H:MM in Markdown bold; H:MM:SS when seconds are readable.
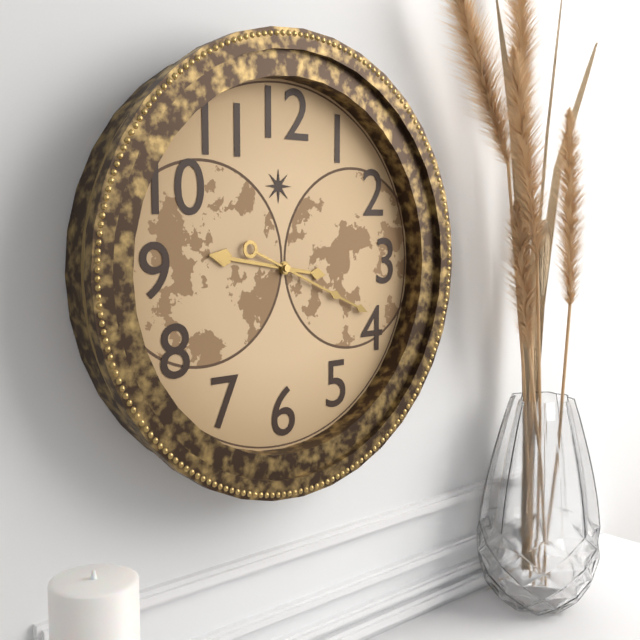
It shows **9:19**
